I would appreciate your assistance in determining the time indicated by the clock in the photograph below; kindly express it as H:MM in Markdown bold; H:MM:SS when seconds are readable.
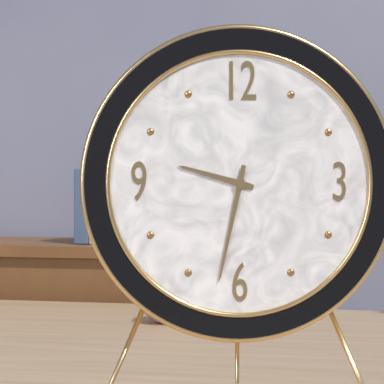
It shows **9:32**
